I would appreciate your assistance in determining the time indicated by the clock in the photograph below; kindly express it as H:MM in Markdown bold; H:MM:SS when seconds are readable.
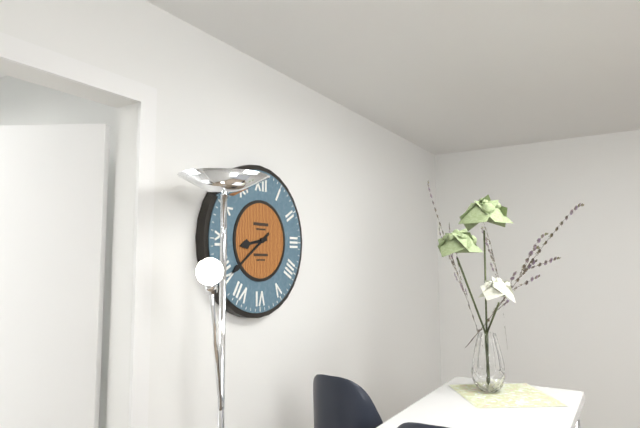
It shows **8:39**
